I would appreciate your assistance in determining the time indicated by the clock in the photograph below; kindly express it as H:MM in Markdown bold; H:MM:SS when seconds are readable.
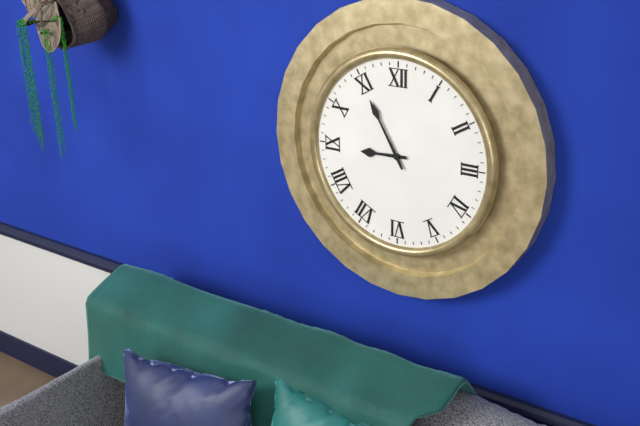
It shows **8:55**
